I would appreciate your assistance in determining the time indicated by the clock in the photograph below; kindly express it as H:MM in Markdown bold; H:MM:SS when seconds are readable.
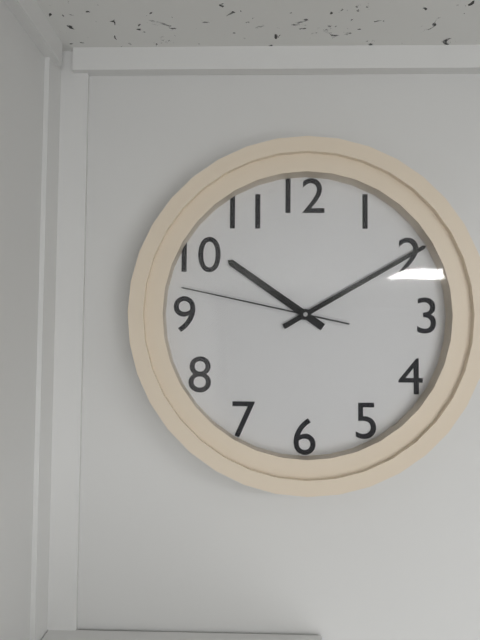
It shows **10:10:47**
